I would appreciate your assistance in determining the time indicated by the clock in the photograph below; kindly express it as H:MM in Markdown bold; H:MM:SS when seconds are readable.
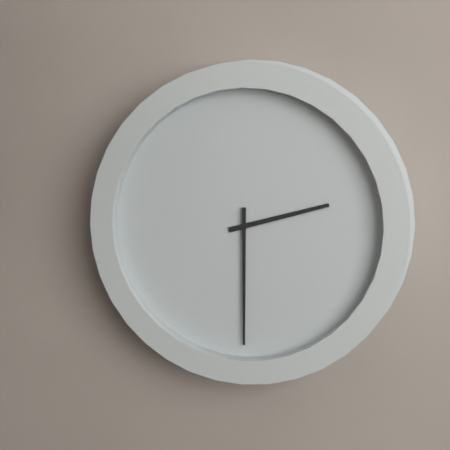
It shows **2:30**
